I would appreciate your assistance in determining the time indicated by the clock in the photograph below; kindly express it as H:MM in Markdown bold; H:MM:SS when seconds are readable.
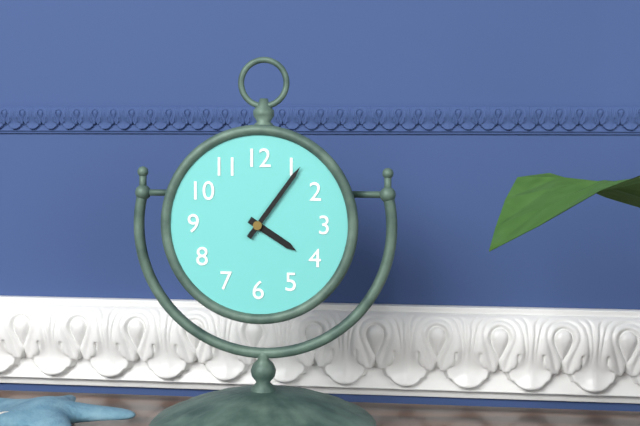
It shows **4:06**
